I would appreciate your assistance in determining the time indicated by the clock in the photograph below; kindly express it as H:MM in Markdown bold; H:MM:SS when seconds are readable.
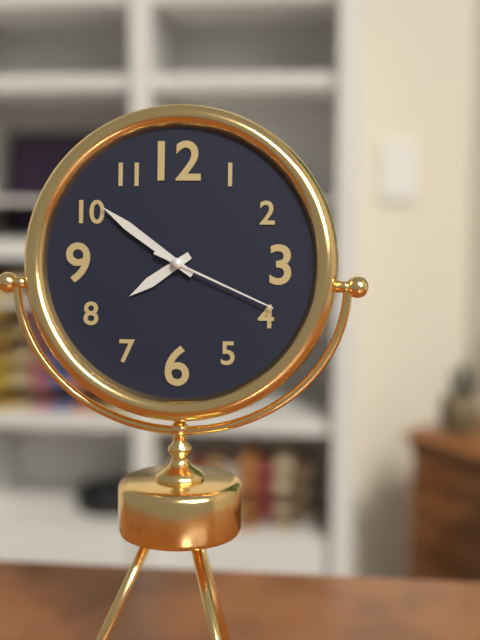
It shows **7:51:19**
